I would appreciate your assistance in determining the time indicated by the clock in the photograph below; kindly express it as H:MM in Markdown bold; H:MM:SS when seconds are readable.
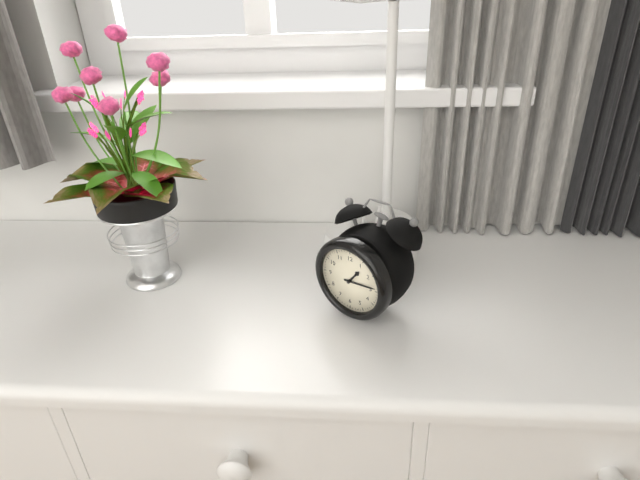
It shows **1:14**
